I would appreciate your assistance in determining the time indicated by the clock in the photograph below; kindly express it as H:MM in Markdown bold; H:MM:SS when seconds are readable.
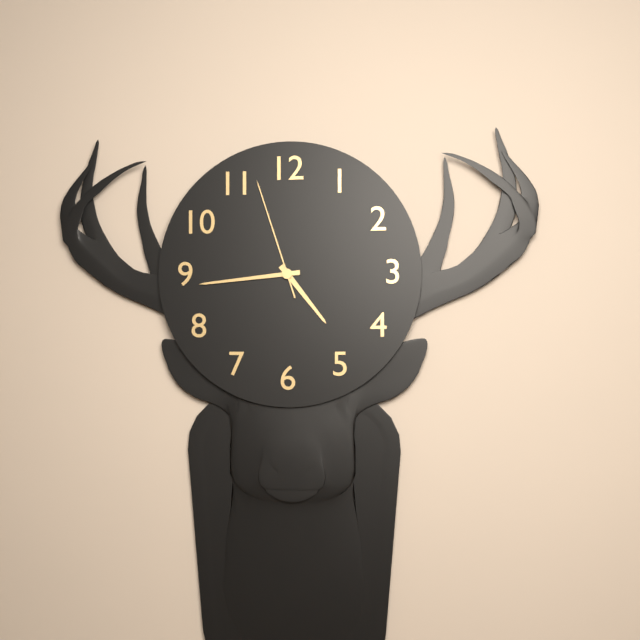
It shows **4:44:57**
